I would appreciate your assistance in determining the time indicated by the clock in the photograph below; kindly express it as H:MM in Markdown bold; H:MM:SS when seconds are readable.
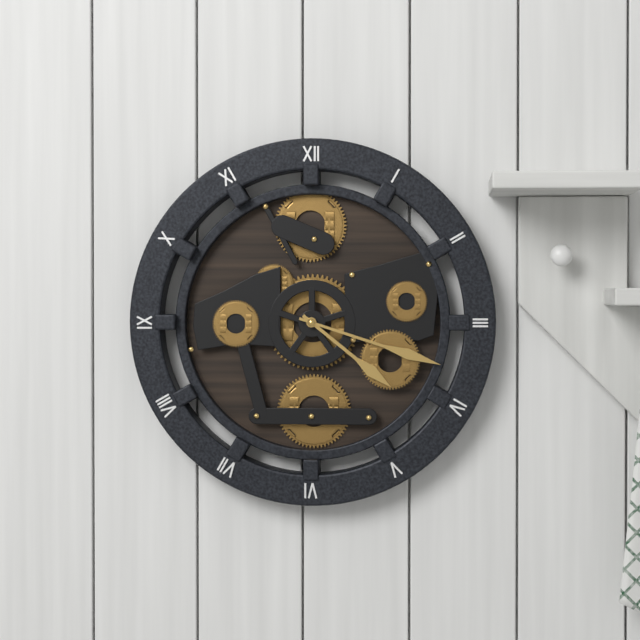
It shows **4:18**
